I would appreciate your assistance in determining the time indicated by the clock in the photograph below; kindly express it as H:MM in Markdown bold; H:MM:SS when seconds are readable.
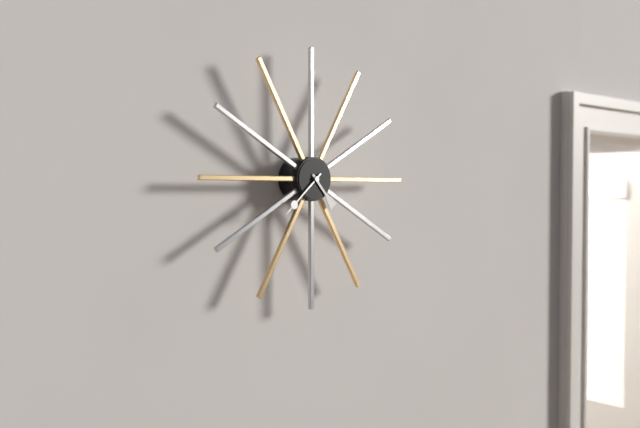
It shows **4:38**
